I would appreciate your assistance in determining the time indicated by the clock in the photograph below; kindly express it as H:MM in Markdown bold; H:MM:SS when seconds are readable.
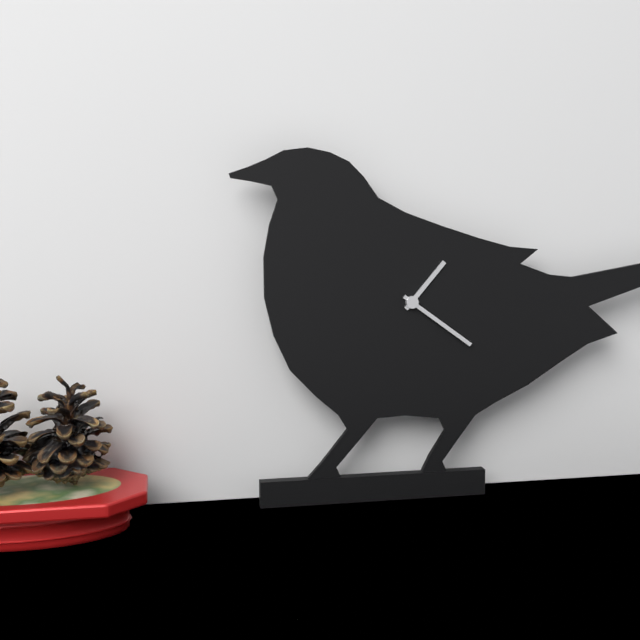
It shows **1:21**
